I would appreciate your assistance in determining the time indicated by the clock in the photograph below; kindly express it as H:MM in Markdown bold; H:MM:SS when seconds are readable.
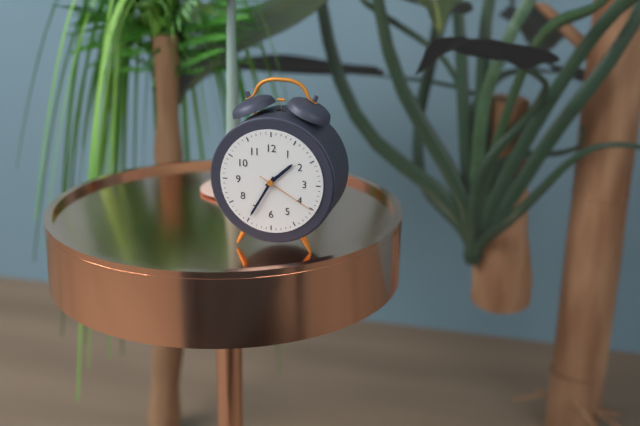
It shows **1:35:20**
